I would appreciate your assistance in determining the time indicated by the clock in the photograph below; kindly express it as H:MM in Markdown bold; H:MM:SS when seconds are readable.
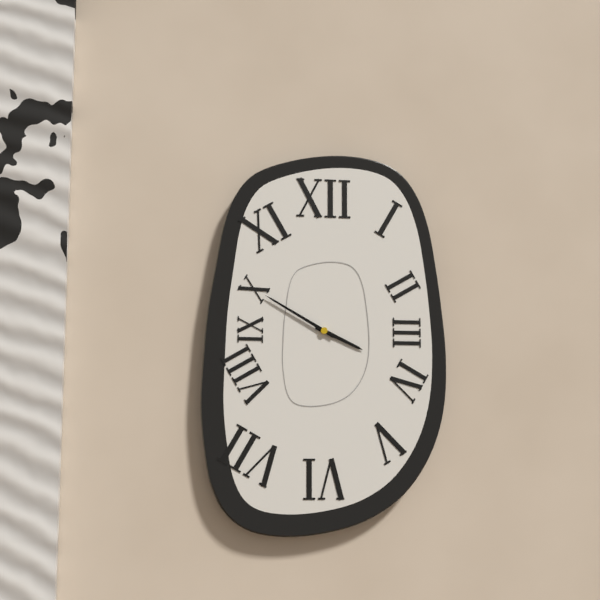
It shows **3:50**
